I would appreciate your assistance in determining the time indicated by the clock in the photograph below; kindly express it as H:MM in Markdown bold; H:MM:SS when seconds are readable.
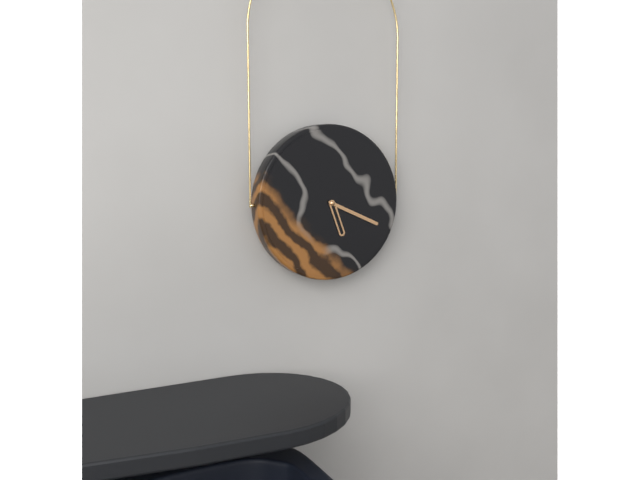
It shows **5:19**
